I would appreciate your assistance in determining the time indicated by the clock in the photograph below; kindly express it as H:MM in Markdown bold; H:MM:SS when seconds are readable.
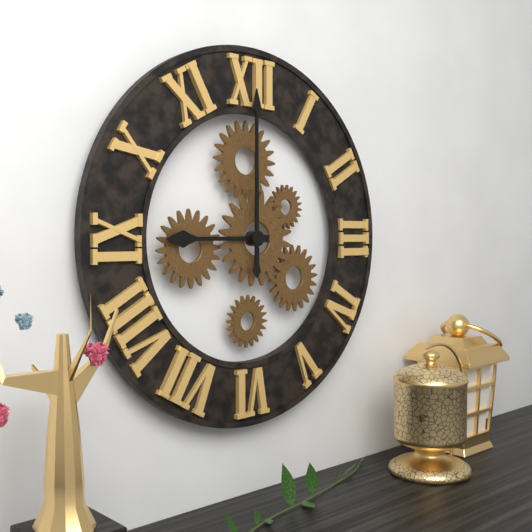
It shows **9:00**
